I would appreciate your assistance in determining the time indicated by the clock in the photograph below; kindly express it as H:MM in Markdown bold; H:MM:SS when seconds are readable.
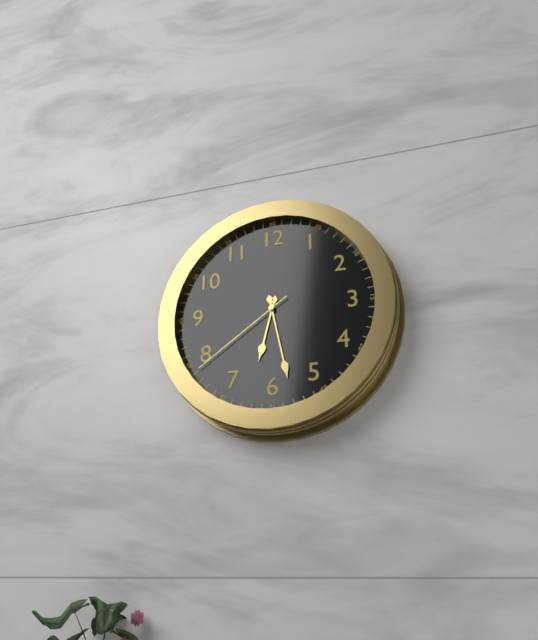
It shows **6:28:39**
